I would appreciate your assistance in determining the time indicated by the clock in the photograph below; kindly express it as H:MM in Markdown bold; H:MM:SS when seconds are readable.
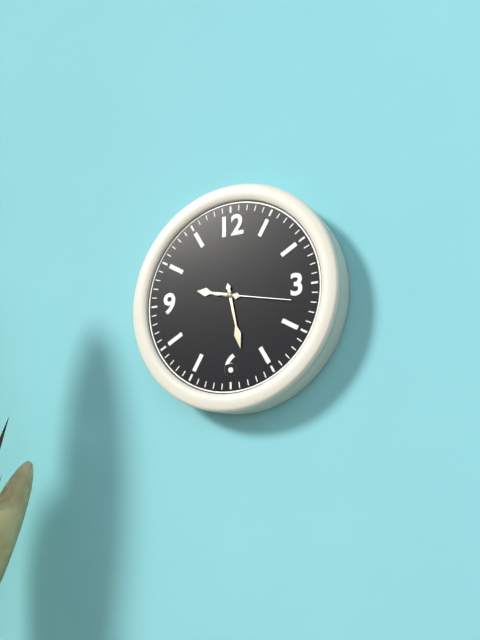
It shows **9:28:17**
